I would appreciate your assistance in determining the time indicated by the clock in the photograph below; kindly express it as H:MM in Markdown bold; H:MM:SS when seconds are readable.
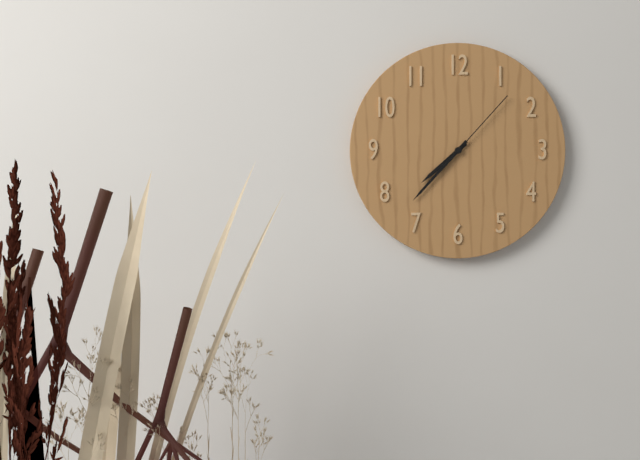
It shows **7:37:07**
